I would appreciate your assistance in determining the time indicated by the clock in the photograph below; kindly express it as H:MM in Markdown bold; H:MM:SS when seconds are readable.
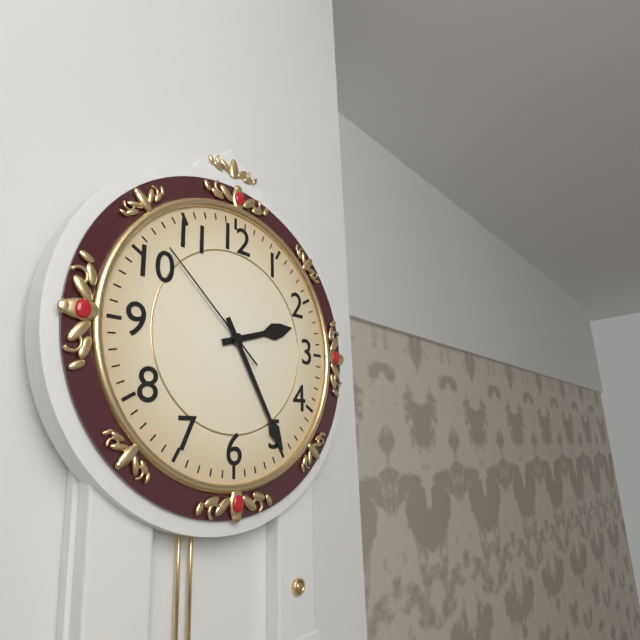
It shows **2:25:52**
